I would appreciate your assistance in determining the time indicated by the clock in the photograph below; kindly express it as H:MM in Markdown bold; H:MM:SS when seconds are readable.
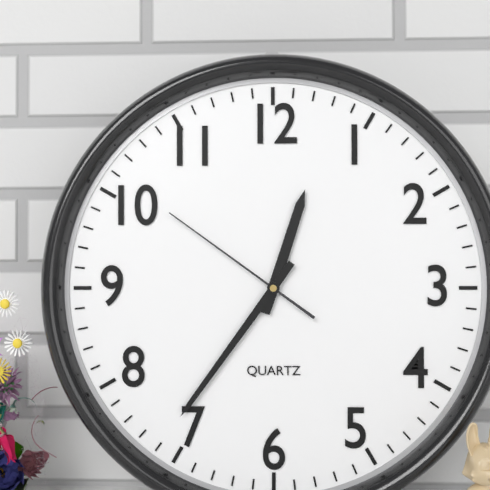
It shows **12:36:51**
